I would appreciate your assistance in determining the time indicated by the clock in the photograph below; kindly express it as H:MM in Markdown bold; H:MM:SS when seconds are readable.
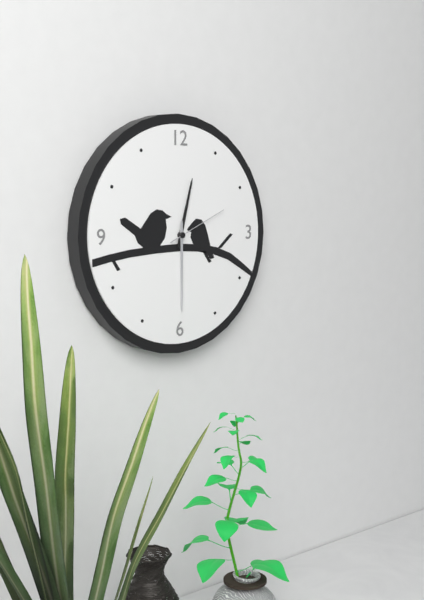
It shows **12:30:11**
